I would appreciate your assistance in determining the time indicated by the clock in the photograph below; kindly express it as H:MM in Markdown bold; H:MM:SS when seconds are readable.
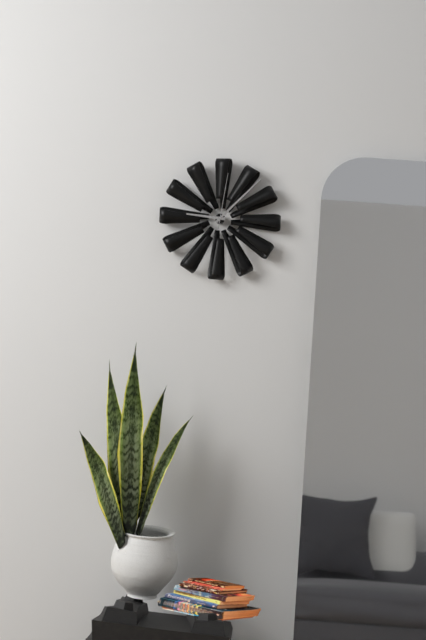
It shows **9:07:01**
